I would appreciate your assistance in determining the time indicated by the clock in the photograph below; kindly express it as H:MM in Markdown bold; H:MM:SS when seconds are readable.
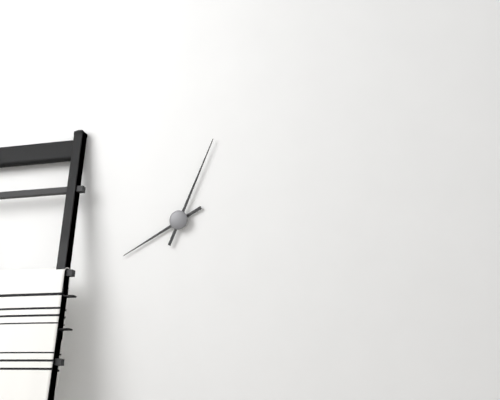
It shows **8:04**
